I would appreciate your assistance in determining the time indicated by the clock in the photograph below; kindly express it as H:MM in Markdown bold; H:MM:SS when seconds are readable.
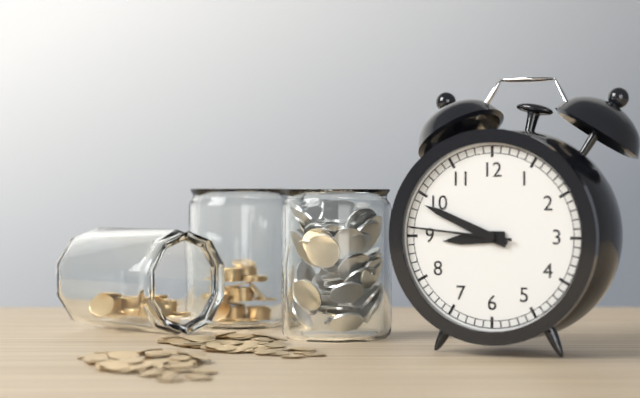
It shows **8:49:46**
